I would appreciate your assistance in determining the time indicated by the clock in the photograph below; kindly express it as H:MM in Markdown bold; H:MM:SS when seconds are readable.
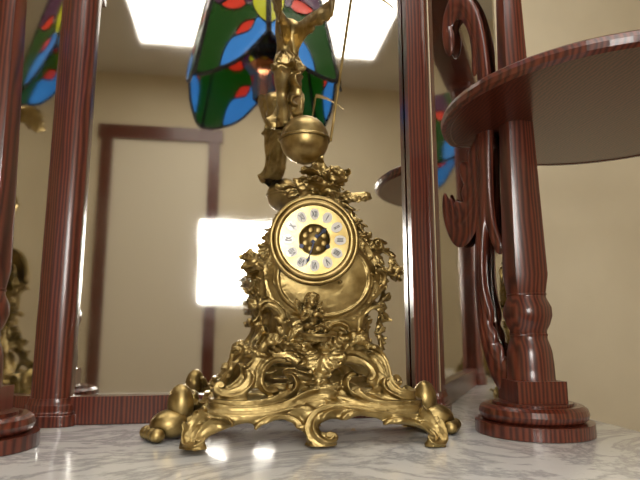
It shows **1:33**
